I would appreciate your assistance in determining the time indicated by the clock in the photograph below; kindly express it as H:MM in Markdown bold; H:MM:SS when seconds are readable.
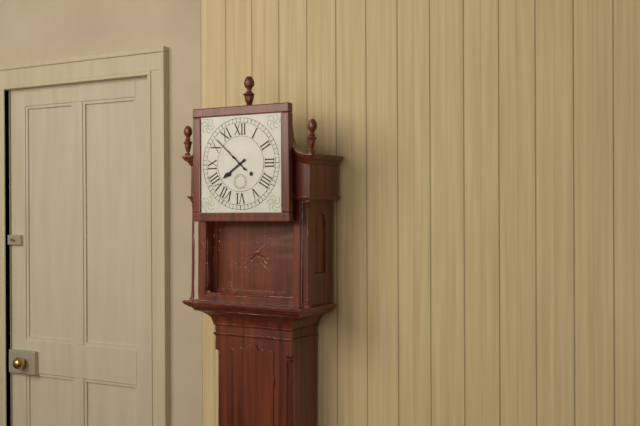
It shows **7:52**
